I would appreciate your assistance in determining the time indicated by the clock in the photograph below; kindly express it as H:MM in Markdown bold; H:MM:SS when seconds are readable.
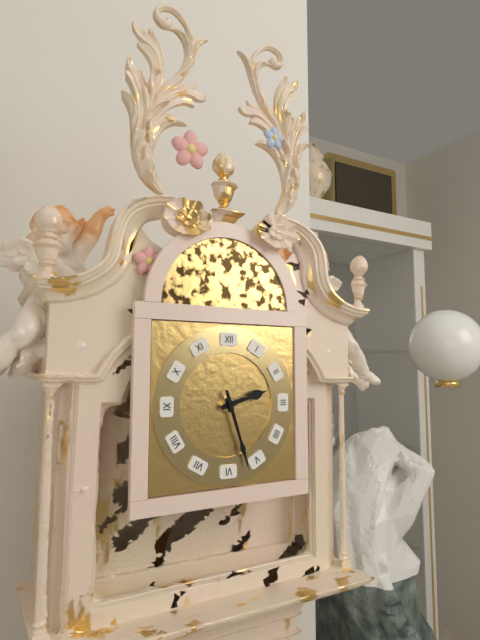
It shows **2:27**
